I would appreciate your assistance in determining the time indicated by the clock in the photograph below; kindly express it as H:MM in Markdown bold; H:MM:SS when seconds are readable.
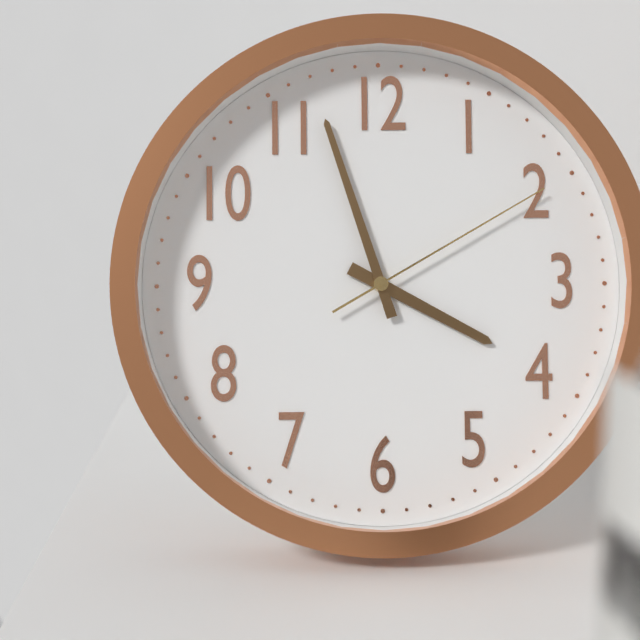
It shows **3:57:10**
